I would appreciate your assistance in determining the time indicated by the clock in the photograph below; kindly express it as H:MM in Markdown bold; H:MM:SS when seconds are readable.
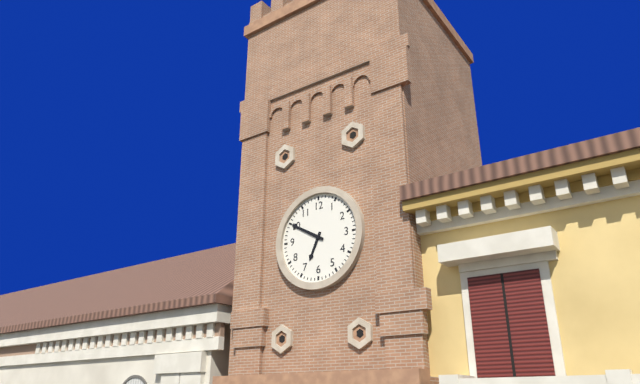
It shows **6:50**
